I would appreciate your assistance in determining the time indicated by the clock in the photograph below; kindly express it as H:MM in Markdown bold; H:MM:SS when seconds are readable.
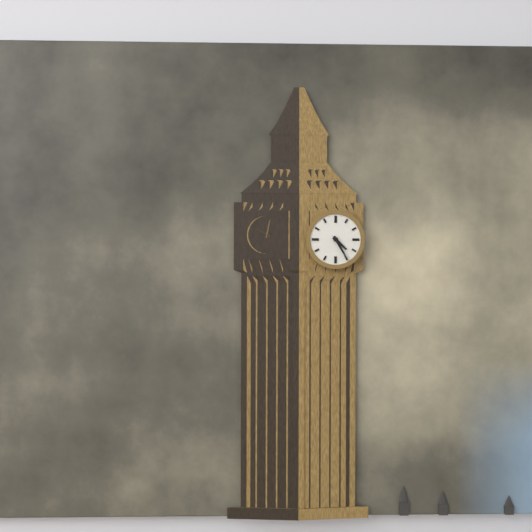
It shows **4:25**
